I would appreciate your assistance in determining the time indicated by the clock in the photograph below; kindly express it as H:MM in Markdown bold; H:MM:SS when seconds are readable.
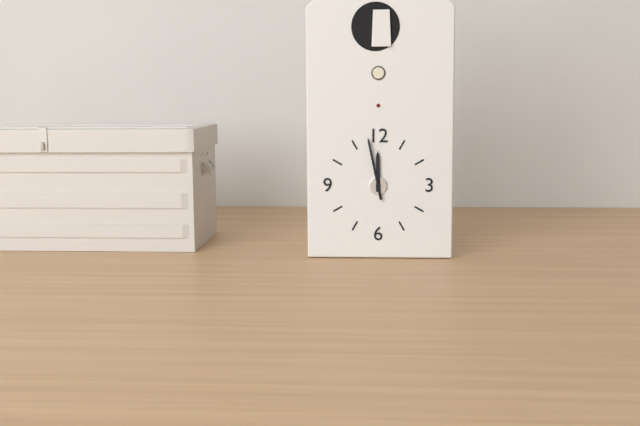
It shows **11:58**
